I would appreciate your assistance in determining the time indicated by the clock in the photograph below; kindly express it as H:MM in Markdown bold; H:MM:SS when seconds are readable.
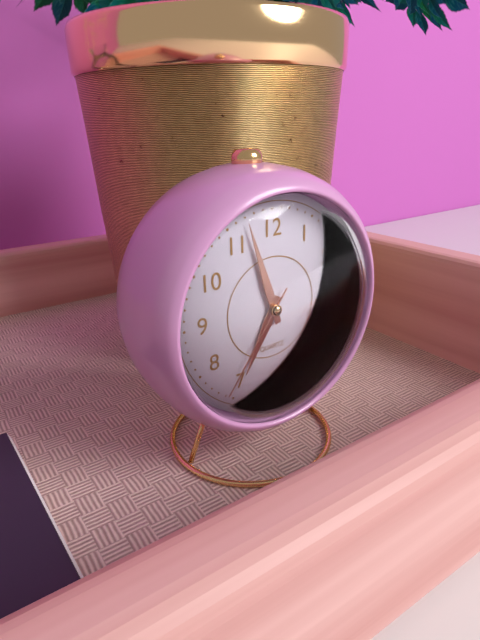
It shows **6:57:36**
